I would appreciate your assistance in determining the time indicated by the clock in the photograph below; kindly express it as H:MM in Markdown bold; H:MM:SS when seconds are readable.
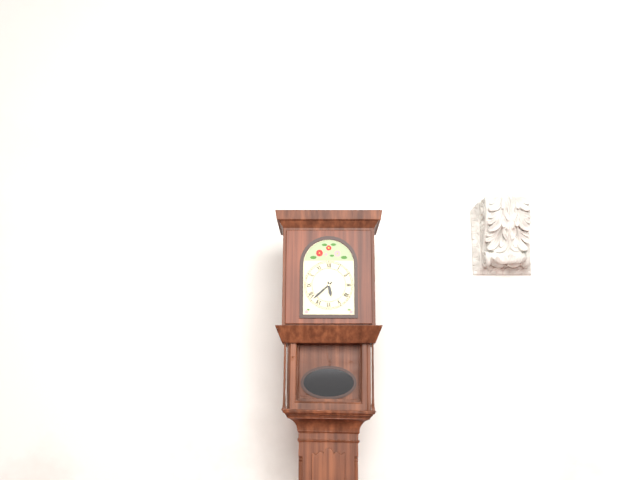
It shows **5:38**
